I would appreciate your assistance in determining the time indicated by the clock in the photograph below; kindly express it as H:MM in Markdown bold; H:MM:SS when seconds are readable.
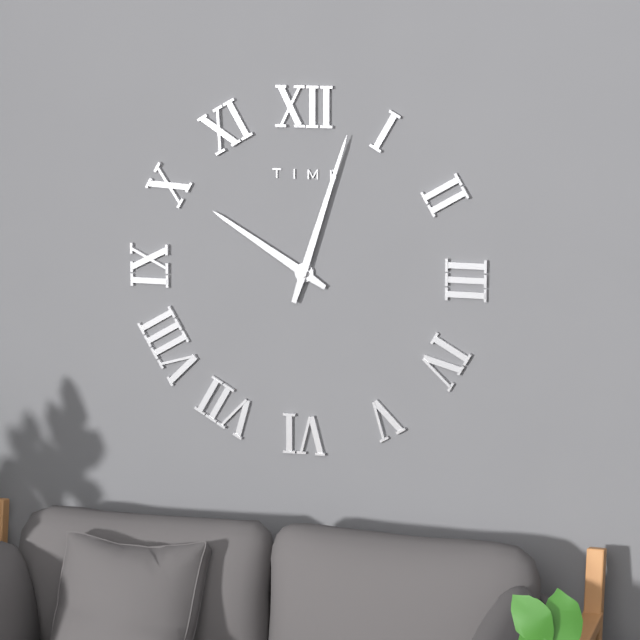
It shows **10:03**
